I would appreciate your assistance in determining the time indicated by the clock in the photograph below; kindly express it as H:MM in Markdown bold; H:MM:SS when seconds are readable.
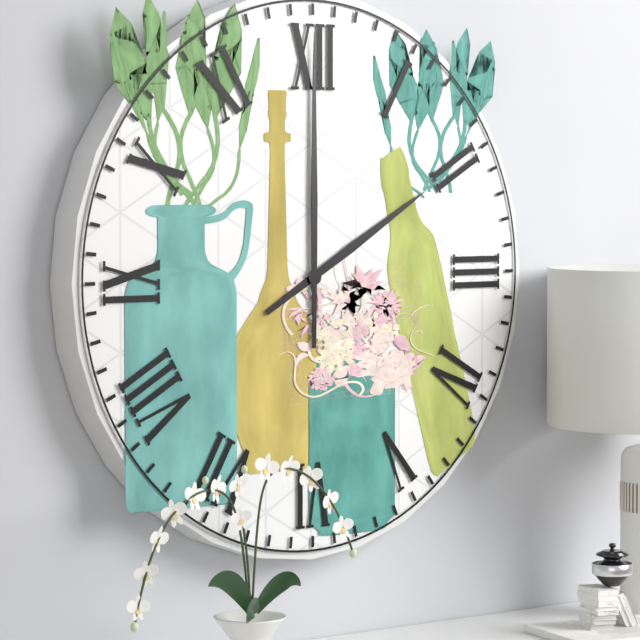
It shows **2:00**
